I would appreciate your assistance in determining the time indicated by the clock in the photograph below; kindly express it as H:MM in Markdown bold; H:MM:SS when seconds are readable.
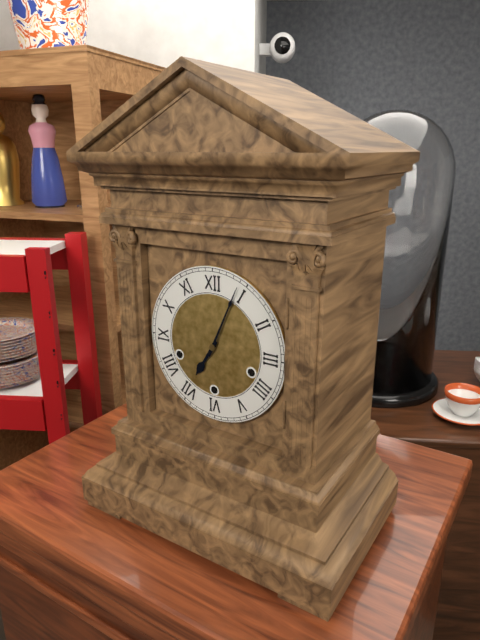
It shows **7:04**
